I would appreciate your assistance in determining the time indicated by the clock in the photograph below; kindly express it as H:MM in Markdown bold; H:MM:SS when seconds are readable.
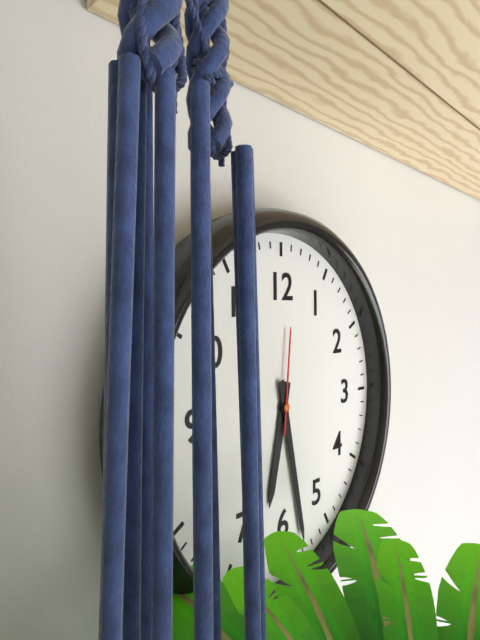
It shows **6:28:01**
